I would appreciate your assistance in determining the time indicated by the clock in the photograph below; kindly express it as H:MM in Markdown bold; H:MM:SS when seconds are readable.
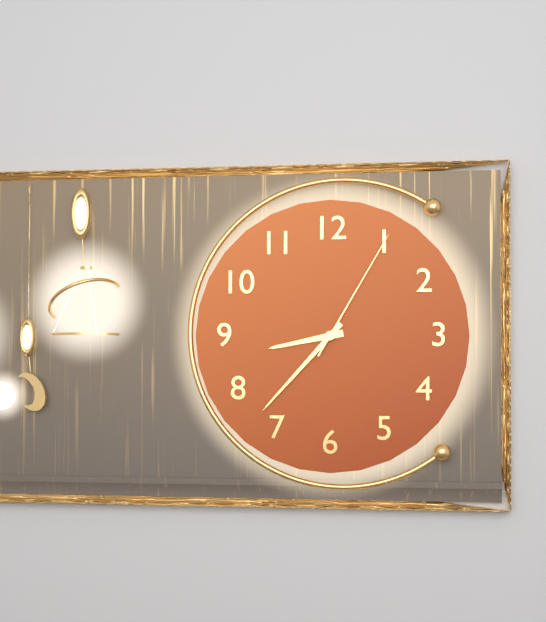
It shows **8:37:05**
